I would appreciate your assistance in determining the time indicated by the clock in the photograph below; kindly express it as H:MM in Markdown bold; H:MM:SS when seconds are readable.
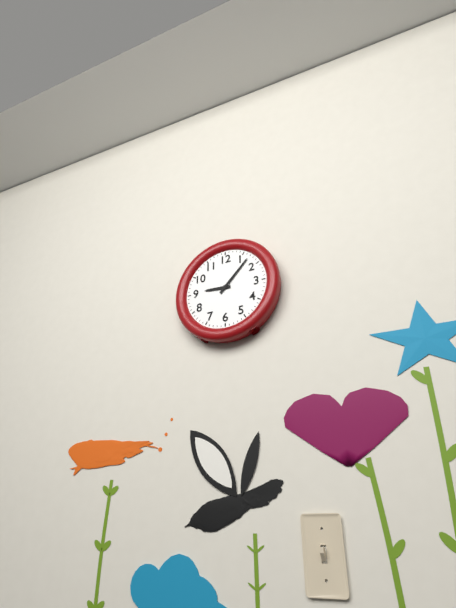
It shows **9:07**
